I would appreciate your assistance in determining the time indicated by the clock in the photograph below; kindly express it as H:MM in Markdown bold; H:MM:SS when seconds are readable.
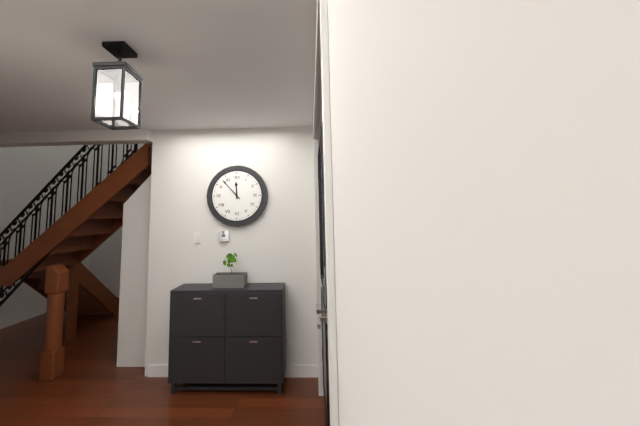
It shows **11:53**
